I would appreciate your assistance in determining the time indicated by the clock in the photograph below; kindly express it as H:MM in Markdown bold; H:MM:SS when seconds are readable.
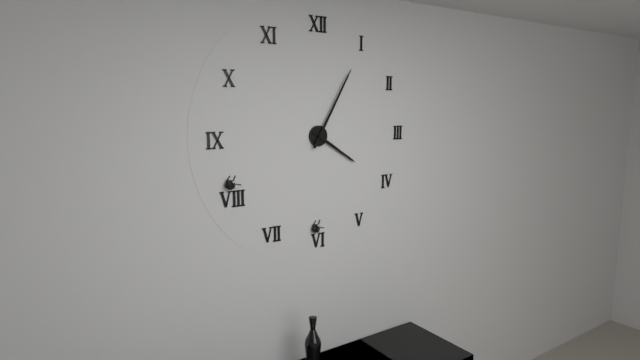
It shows **4:05**
